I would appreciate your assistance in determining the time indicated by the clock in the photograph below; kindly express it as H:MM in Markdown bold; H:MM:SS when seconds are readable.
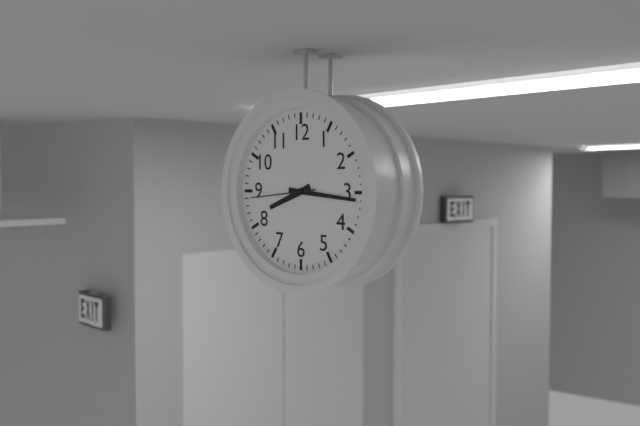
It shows **8:16:44**
